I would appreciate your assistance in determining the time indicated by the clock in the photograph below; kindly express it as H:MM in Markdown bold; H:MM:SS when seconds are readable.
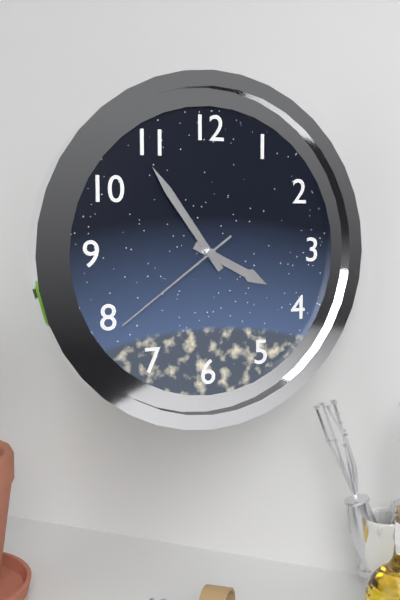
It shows **3:54:39**
